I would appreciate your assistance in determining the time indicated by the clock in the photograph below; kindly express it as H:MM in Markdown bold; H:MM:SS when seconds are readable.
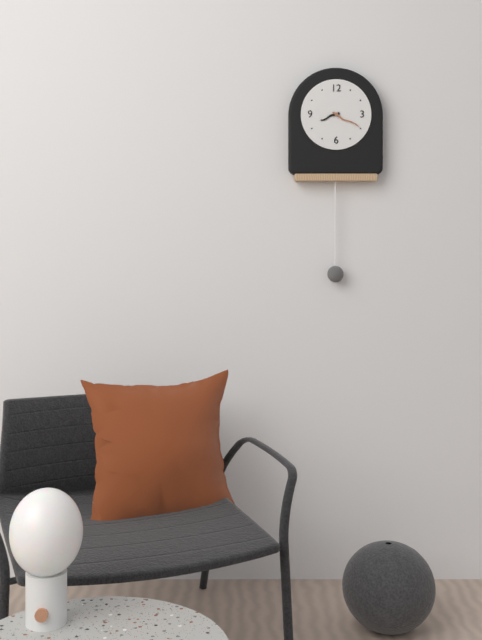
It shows **8:20**
